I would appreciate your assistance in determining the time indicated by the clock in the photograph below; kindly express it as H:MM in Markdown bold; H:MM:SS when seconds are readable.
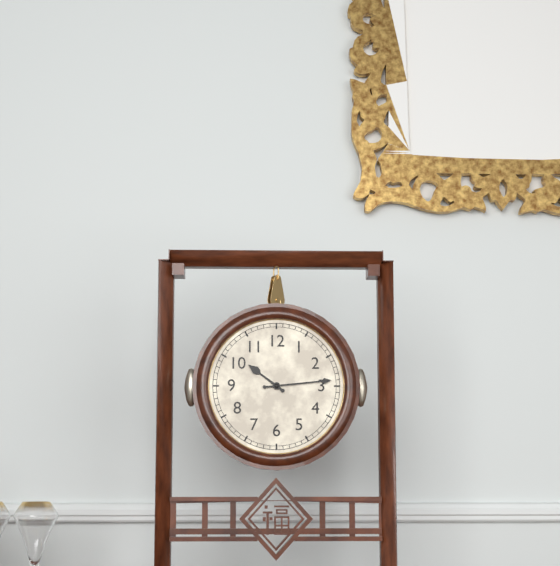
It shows **10:14**
